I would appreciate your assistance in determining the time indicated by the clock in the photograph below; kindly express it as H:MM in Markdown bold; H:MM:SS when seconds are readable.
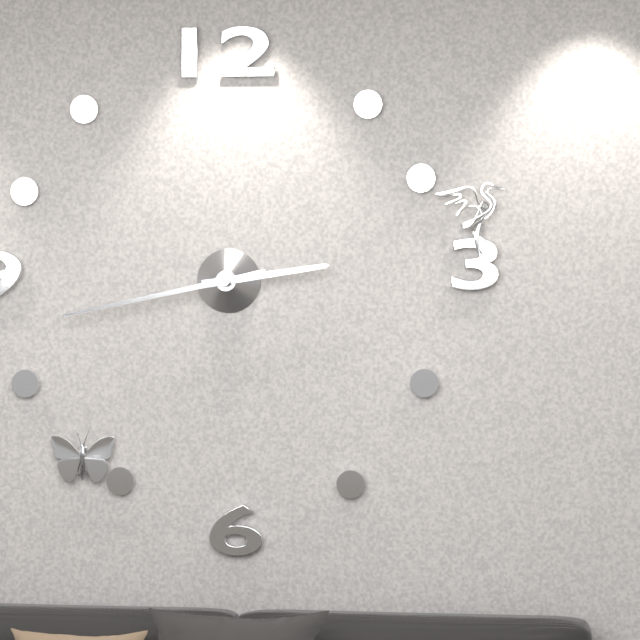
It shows **2:43**
